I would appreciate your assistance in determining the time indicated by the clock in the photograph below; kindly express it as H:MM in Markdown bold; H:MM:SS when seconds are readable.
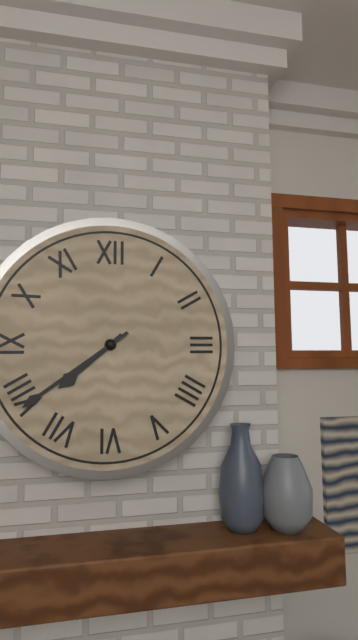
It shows **7:39**
